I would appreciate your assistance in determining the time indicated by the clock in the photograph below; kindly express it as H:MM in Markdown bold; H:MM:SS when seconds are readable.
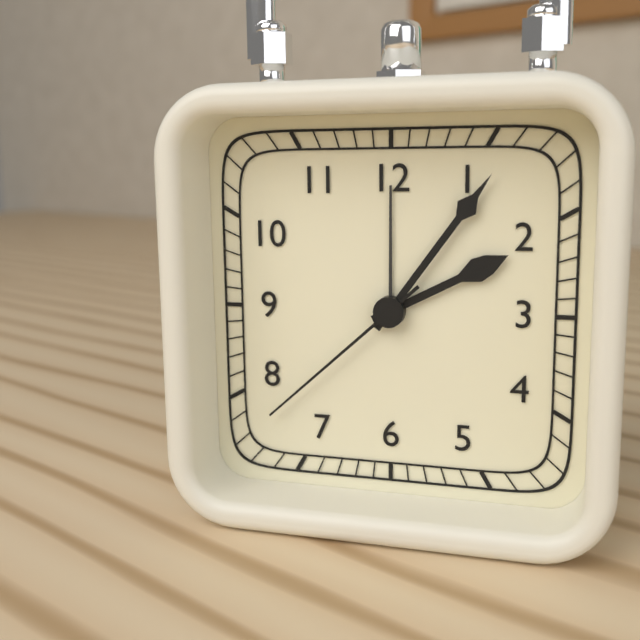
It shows **2:06:38**
